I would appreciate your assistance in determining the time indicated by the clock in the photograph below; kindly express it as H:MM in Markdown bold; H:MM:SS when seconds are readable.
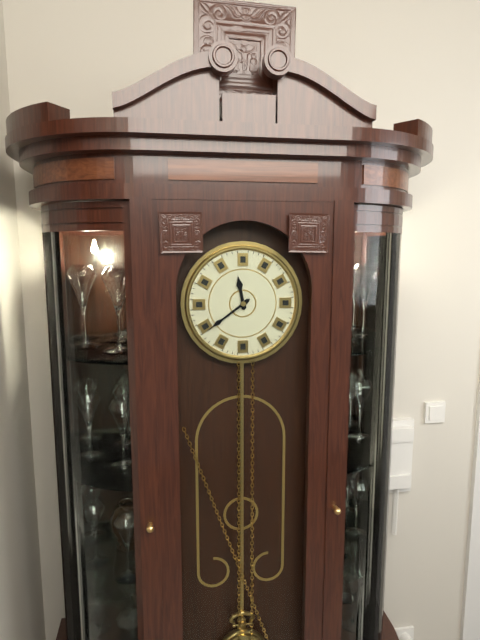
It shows **11:39**
